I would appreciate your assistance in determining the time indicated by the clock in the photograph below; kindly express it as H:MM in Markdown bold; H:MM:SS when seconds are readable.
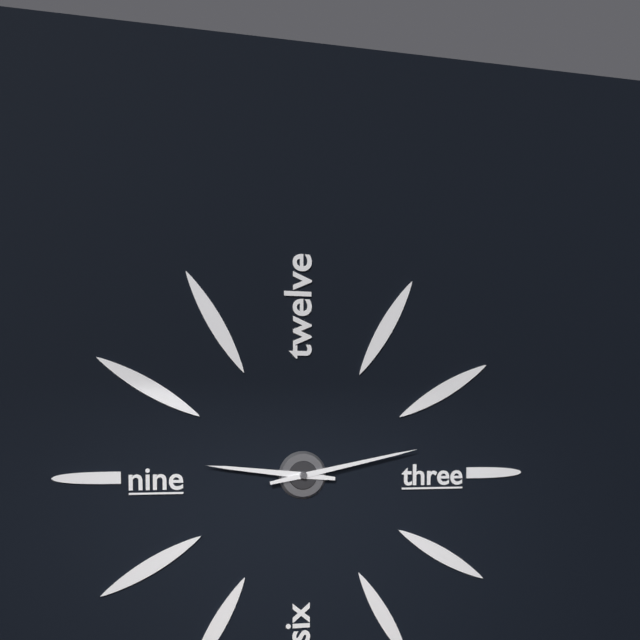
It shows **9:13**
